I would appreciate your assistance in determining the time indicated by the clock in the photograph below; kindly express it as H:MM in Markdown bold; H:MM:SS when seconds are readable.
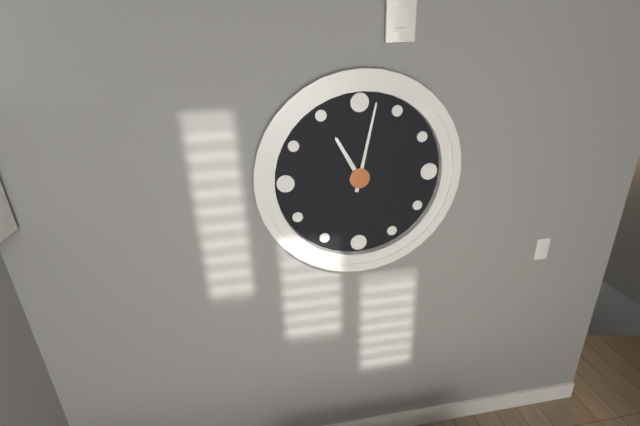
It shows **11:02**
